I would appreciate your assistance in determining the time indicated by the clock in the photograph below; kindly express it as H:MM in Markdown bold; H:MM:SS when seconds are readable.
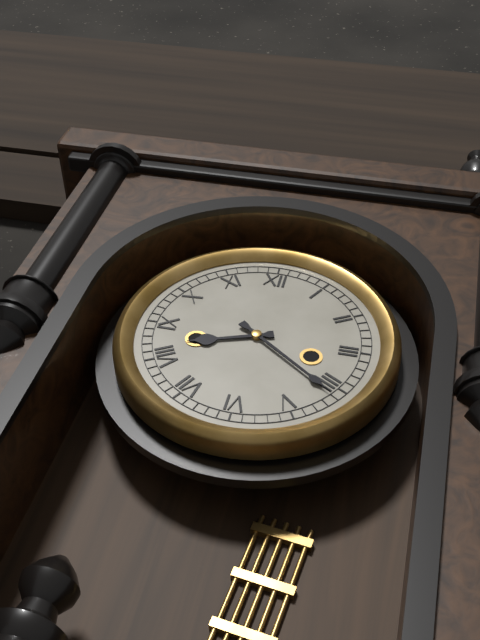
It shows **8:21**
